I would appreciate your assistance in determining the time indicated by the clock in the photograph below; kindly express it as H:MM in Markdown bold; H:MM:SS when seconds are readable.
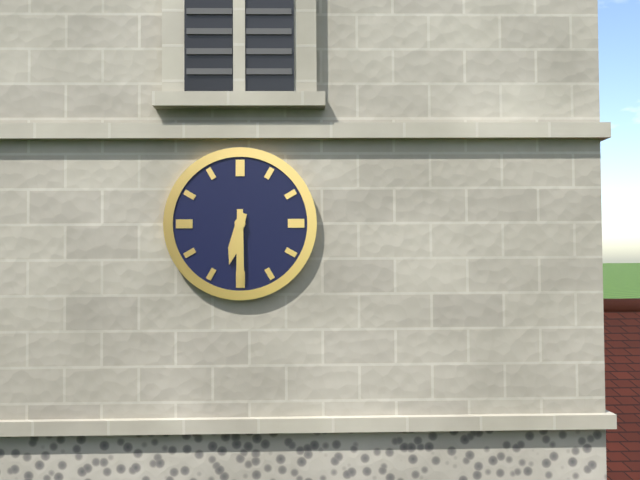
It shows **6:30**
